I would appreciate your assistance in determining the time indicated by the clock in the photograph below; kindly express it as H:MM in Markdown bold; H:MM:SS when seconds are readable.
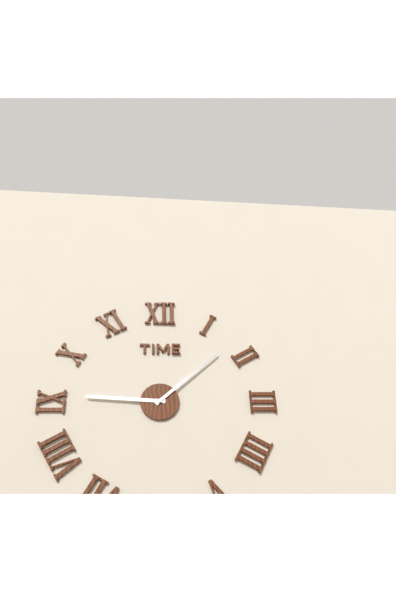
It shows **9:08**
